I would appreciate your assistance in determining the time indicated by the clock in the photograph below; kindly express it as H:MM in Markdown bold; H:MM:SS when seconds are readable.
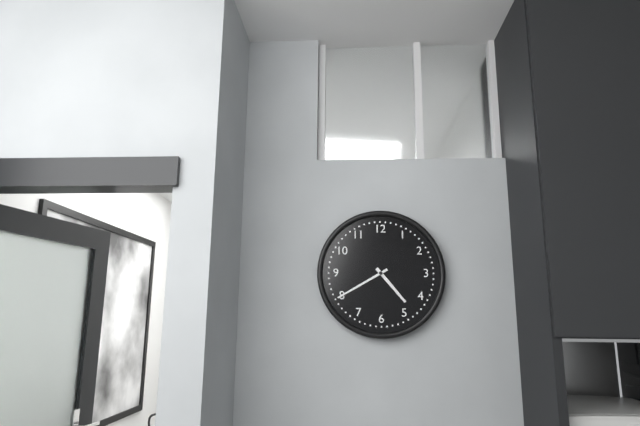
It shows **4:40**
